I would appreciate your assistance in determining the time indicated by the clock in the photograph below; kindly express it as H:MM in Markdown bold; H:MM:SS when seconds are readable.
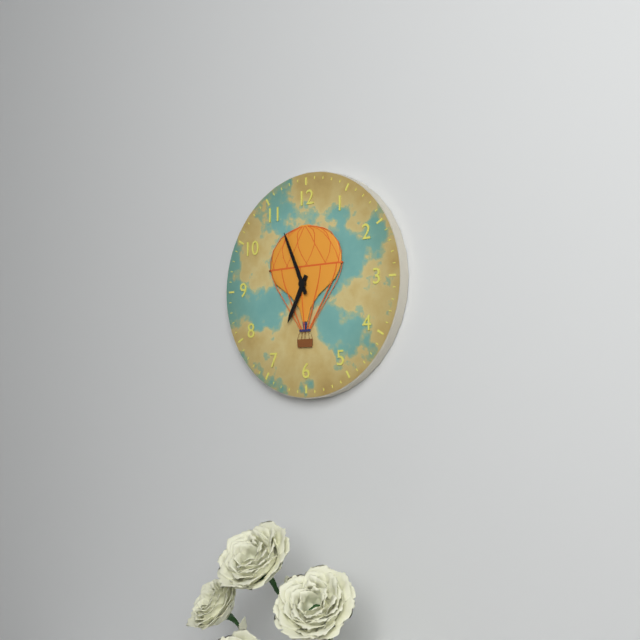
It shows **6:56**
